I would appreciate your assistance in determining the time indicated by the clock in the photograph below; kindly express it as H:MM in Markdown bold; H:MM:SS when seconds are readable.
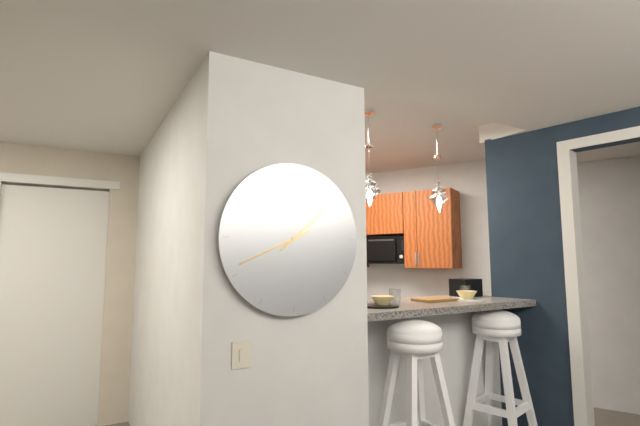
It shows **1:41**
